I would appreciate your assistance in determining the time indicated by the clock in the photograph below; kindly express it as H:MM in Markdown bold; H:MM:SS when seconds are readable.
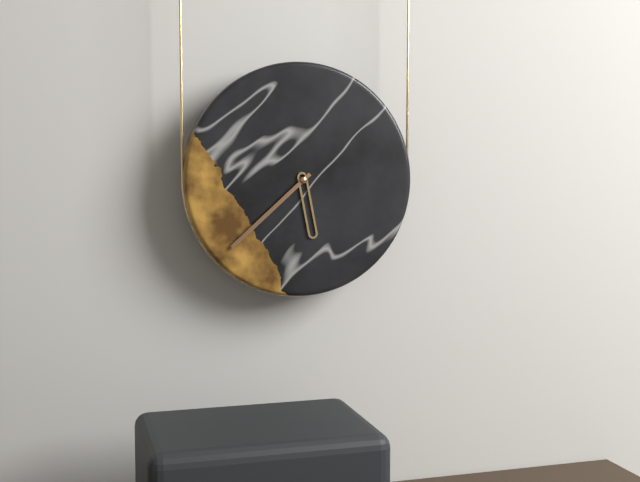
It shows **5:38**
